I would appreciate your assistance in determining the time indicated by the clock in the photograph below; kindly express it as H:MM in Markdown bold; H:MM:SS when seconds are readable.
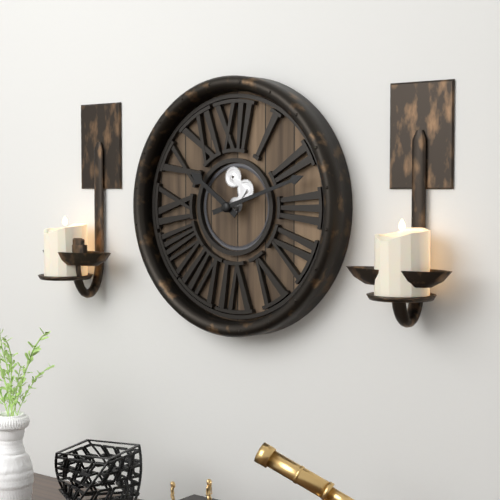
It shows **10:12**
